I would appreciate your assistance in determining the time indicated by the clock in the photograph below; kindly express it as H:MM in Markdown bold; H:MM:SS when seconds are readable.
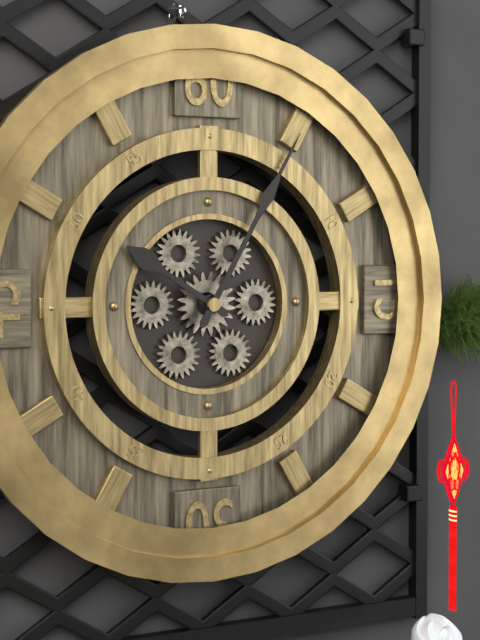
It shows **10:05**
